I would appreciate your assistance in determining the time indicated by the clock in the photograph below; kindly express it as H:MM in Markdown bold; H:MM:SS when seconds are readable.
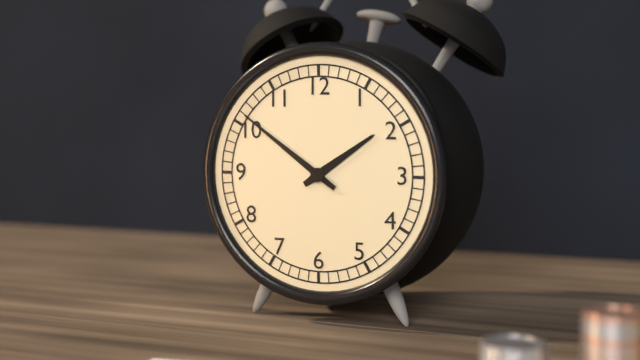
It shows **1:51**
